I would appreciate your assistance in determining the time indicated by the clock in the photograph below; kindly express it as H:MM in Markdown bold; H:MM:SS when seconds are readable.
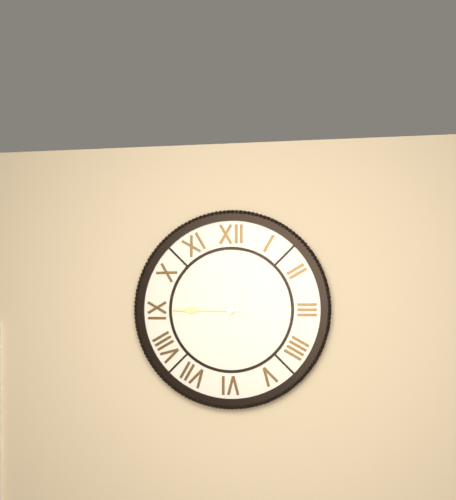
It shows **12:45**
